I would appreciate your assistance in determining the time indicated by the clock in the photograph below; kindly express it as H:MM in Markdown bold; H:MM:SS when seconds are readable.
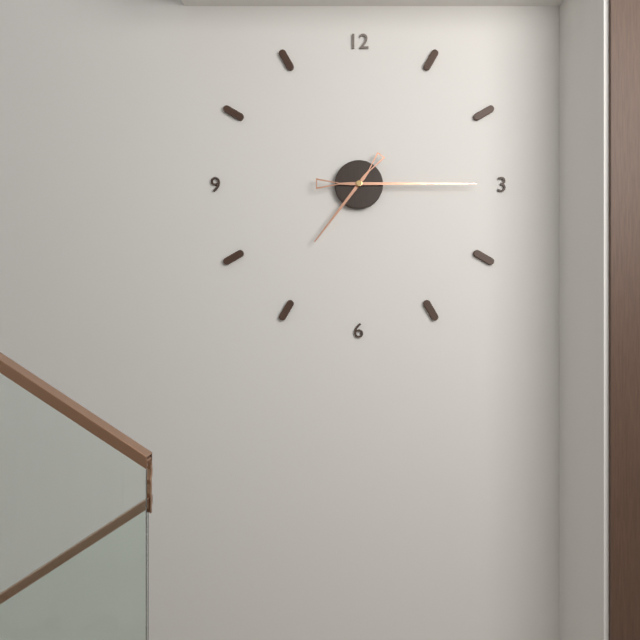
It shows **7:15**
